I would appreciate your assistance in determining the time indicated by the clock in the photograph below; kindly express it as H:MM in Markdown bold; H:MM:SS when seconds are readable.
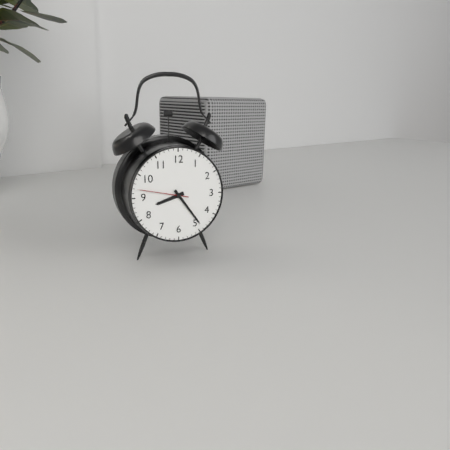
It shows **8:24:47**
